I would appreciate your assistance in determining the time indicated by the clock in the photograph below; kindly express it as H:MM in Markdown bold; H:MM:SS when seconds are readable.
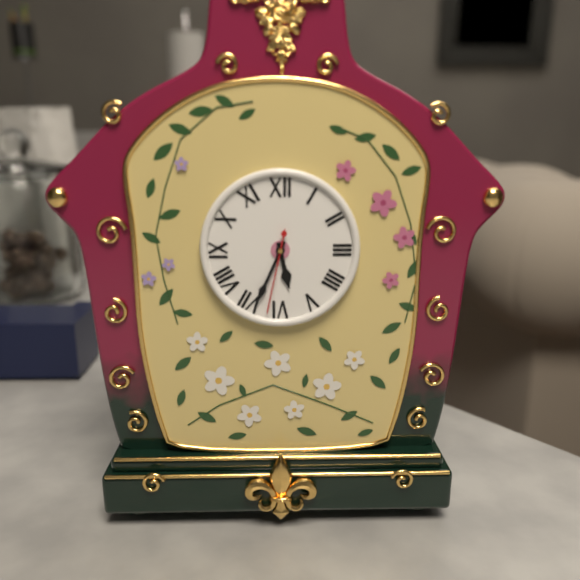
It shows **5:34:32**
